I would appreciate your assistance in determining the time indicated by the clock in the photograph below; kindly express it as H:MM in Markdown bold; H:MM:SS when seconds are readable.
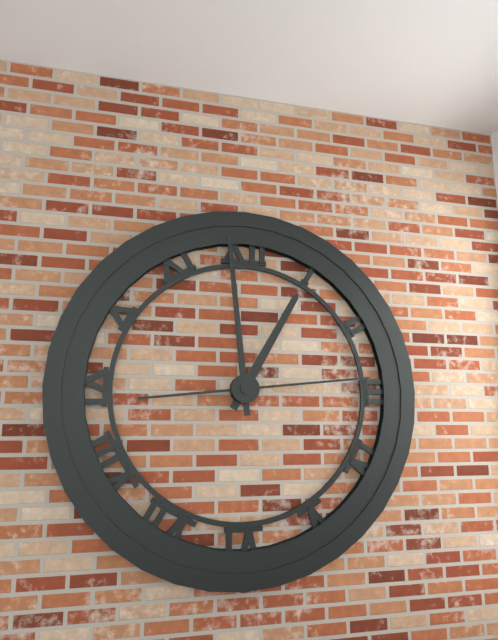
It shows **12:59:14**
